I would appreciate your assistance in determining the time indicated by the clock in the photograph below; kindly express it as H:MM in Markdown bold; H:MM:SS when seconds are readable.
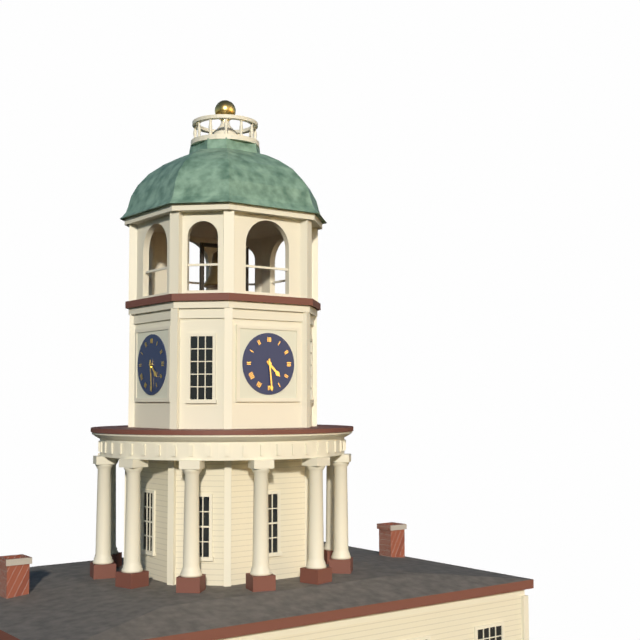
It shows **4:29**
